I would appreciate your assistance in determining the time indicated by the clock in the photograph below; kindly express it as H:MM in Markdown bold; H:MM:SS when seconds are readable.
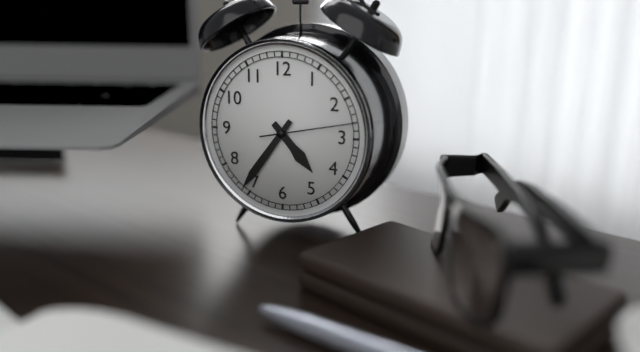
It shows **4:36:13**
